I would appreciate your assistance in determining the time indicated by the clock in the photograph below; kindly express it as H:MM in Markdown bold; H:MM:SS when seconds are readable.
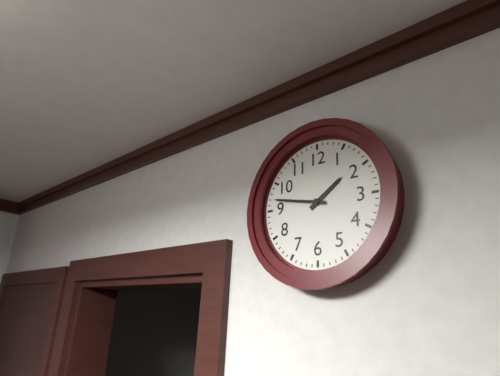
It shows **1:47**
